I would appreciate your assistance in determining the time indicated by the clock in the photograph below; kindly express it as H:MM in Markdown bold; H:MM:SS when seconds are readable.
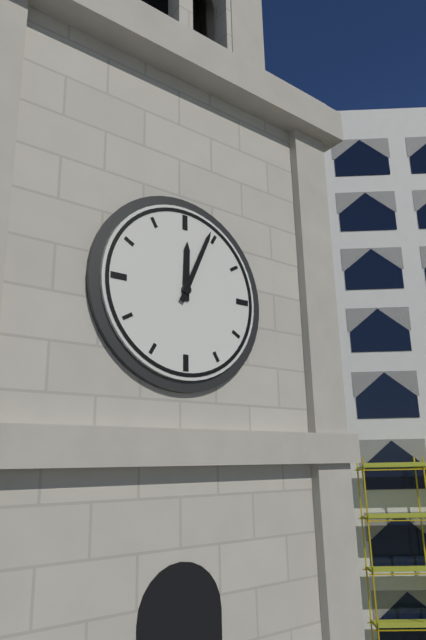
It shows **12:04**
